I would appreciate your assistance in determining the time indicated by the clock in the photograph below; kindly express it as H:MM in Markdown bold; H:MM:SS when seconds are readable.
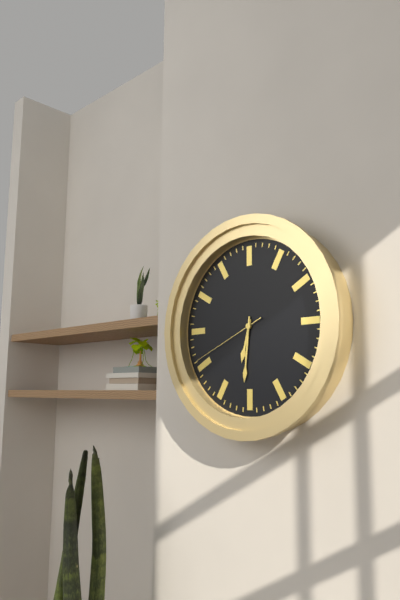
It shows **6:31:41**
